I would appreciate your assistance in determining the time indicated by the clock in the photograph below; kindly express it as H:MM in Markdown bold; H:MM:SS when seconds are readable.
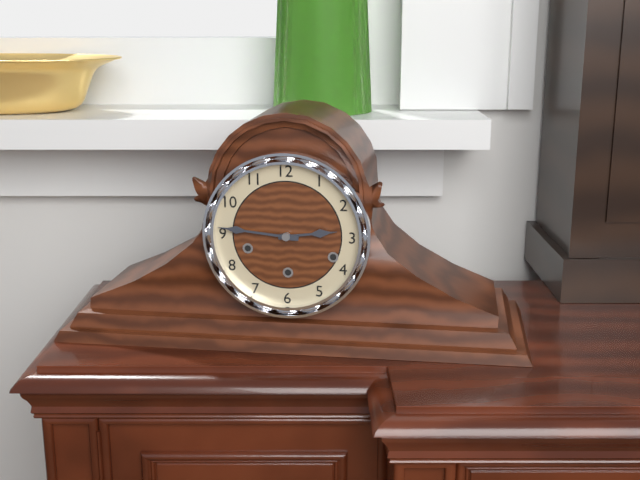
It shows **2:46**
